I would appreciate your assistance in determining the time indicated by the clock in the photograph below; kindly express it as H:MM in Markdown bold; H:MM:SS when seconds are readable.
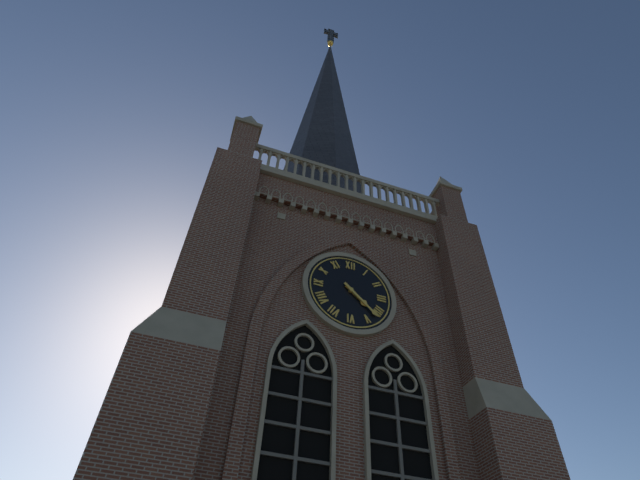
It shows **4:22**
